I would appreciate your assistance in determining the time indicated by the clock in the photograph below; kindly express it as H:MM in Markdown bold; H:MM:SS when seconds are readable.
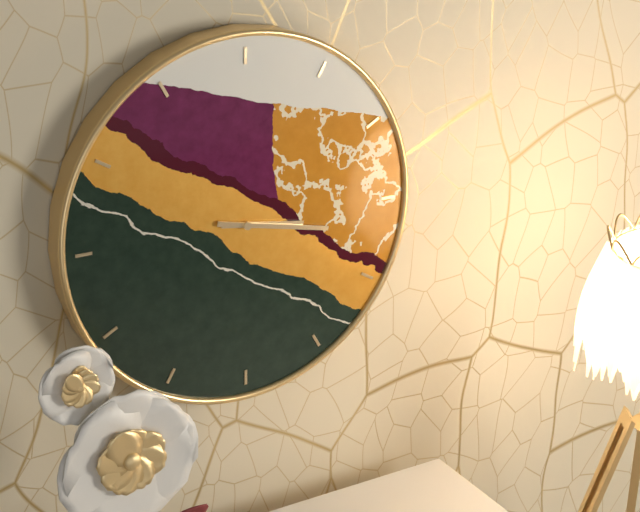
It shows **3:17**
